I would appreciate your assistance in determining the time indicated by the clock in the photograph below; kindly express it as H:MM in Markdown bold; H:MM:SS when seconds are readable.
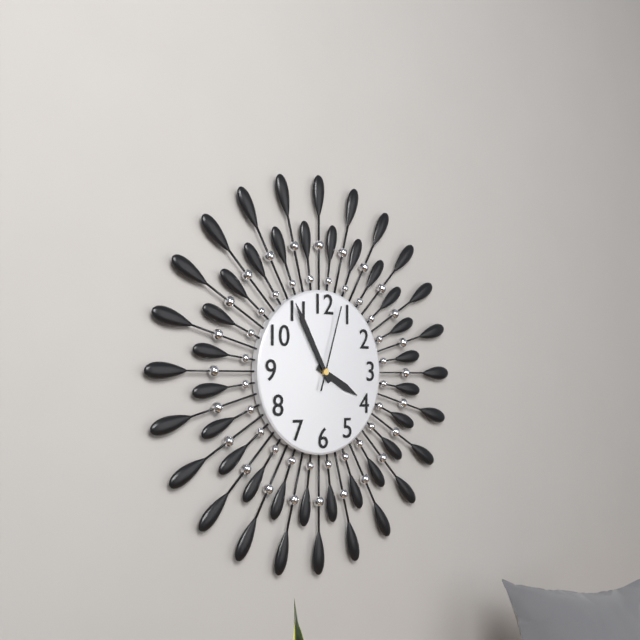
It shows **3:55:03**
